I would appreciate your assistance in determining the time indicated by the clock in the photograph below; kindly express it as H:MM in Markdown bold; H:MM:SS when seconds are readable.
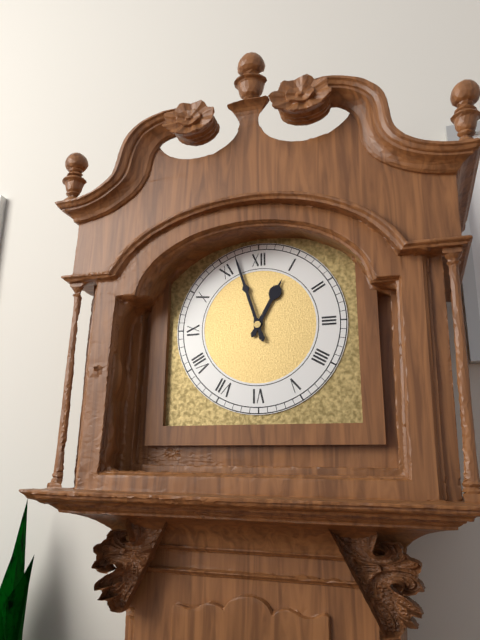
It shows **12:57**
